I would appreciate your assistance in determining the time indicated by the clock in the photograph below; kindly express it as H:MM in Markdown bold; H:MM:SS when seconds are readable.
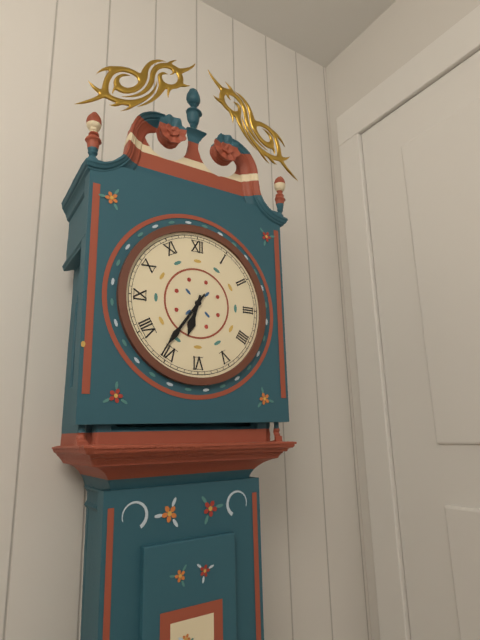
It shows **6:36**
